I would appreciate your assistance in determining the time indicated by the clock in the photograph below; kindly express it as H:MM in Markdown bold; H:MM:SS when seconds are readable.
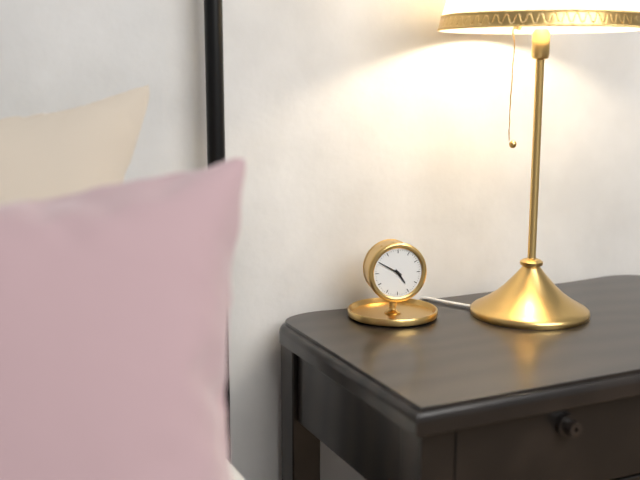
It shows **4:50**
